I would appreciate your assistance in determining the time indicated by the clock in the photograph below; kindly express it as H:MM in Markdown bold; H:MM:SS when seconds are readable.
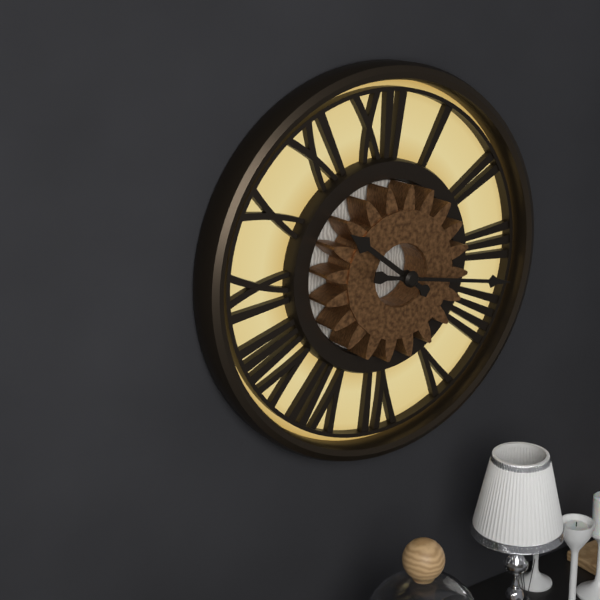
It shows **10:17**
